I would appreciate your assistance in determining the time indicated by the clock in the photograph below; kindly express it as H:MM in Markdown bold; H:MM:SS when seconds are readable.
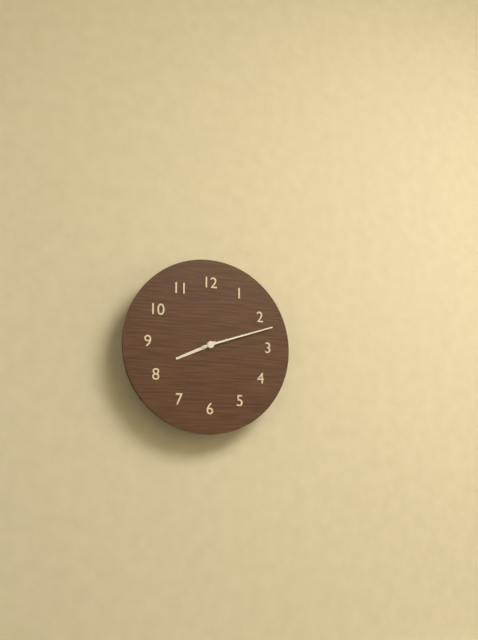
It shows **8:12**
